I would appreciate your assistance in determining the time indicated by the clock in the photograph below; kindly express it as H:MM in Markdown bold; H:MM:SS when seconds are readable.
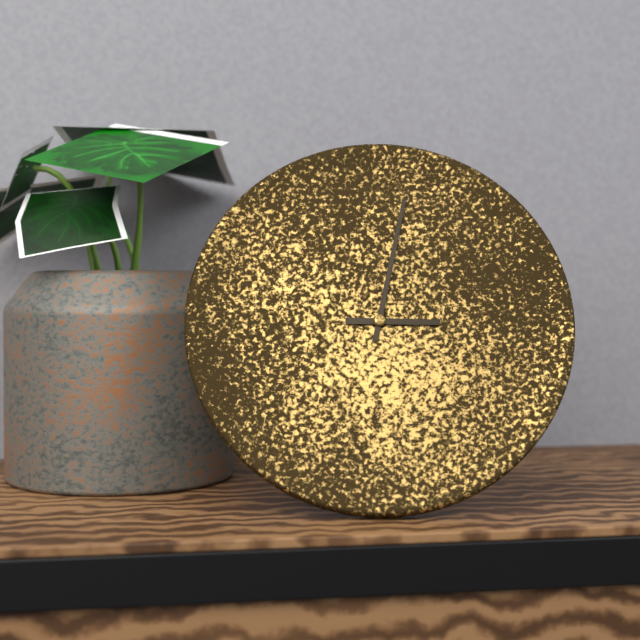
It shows **3:02**
